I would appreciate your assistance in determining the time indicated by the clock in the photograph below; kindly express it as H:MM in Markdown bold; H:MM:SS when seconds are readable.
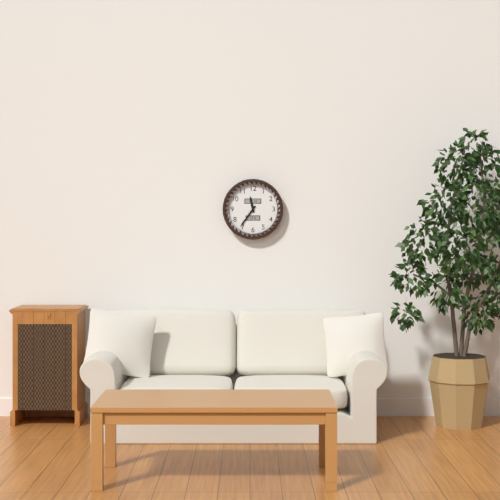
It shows **11:36**
